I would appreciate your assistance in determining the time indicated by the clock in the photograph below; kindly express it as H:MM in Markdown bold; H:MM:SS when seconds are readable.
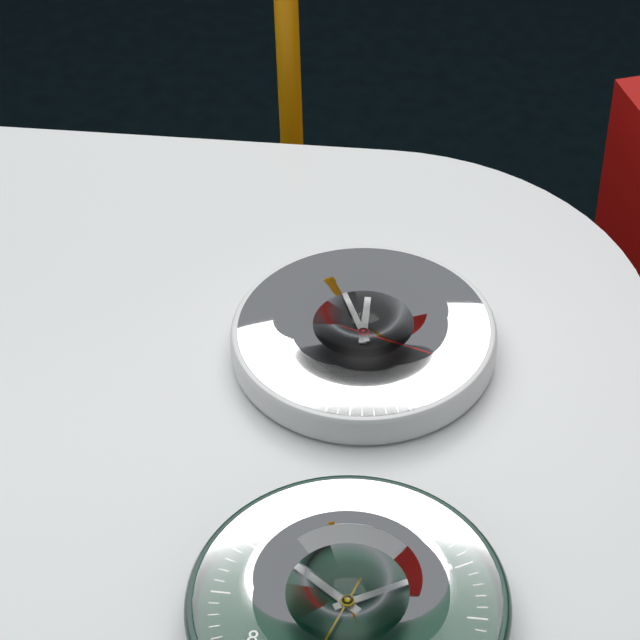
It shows **11:56:18**
